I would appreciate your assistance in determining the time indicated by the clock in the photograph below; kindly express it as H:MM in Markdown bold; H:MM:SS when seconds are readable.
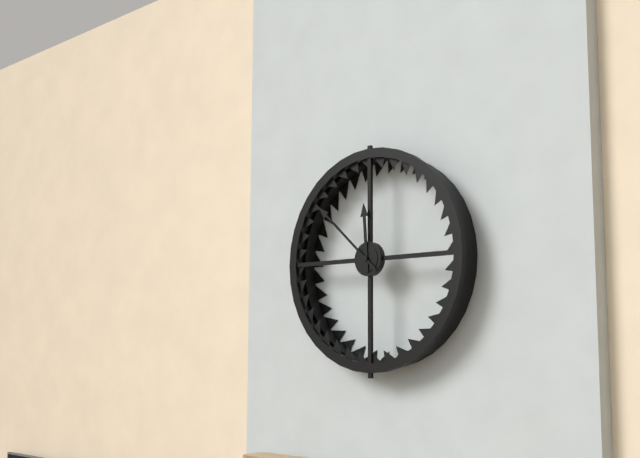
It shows **11:52**
